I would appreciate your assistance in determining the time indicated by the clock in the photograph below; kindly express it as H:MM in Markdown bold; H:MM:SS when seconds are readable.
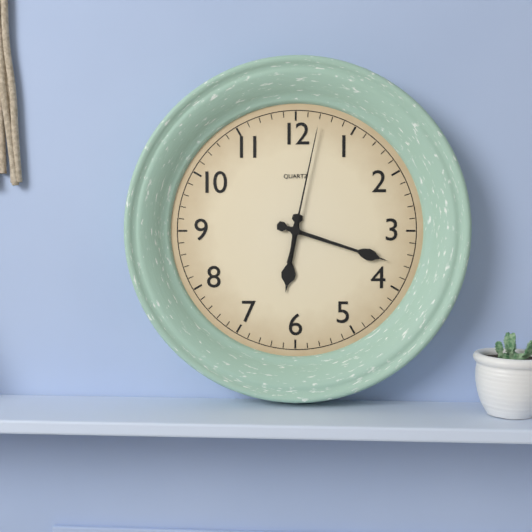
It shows **6:18:02**
